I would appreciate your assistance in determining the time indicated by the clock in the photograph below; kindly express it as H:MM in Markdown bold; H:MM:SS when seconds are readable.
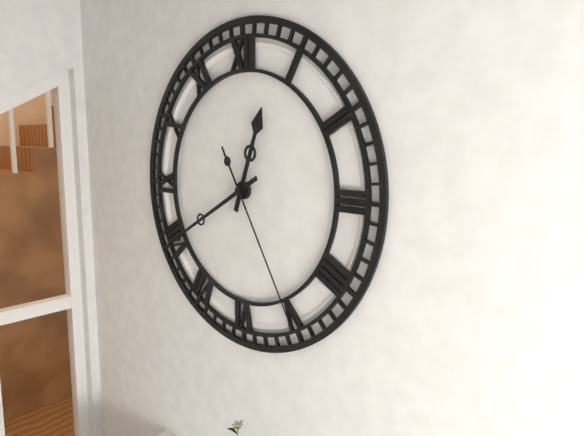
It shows **12:40:25**
